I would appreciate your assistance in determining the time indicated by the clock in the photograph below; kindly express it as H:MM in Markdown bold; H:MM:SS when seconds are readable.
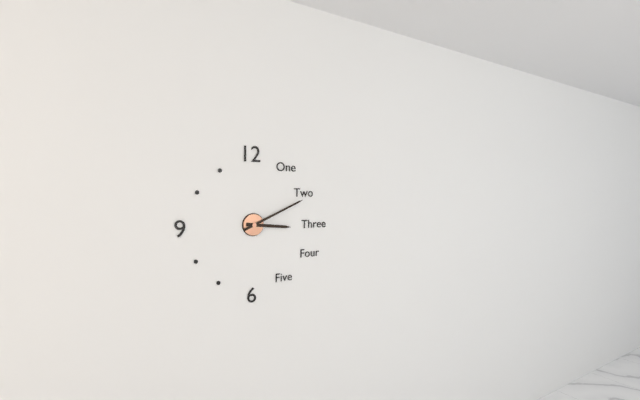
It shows **3:11**
